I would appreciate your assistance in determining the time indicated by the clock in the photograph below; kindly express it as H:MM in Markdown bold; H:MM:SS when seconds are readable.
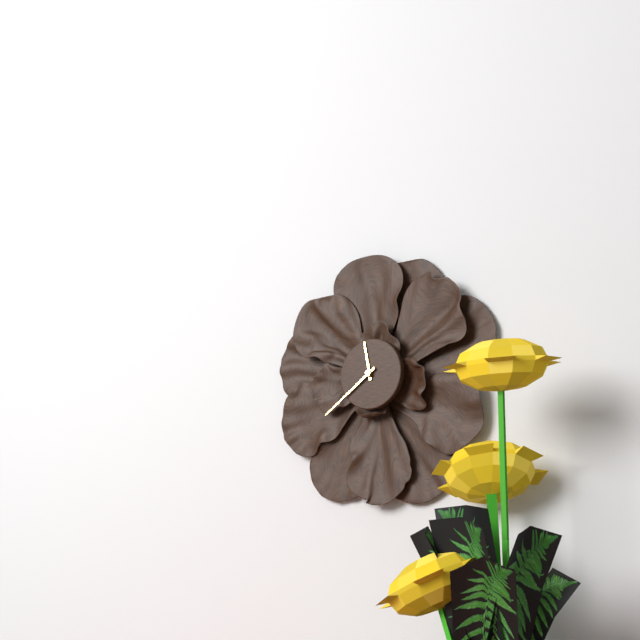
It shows **11:39**
